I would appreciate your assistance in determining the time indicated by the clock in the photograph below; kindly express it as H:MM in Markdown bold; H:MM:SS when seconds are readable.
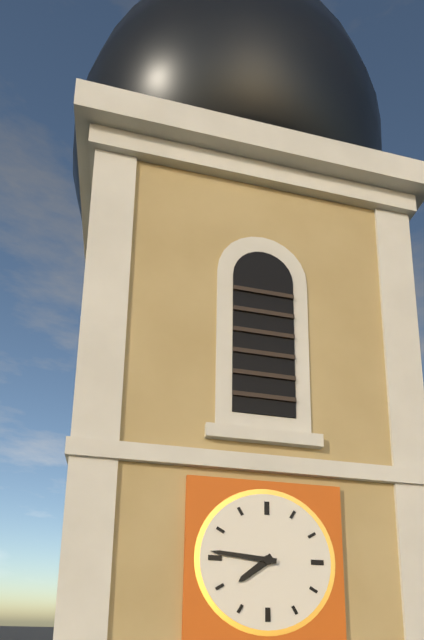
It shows **7:46**
